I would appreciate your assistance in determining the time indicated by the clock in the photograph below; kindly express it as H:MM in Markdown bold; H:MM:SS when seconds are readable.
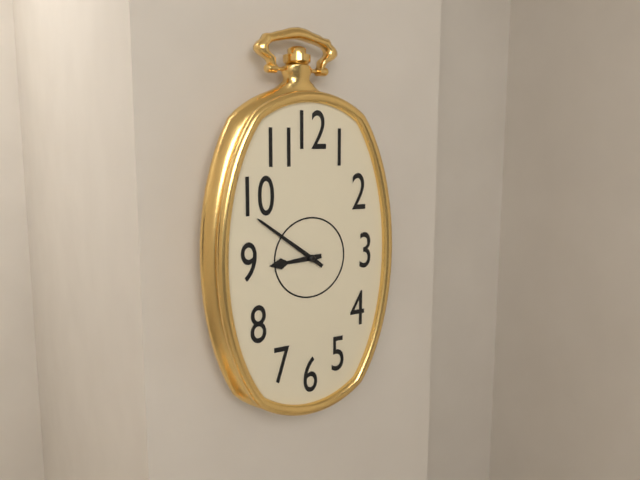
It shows **8:51**
